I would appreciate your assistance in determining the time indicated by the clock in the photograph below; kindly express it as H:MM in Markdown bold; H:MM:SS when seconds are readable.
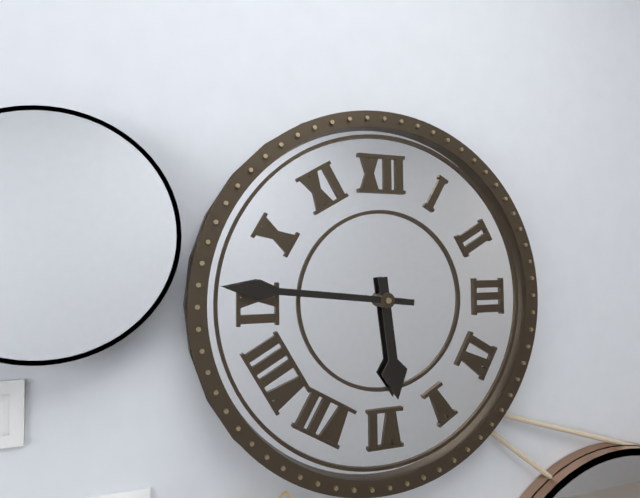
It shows **5:46**
